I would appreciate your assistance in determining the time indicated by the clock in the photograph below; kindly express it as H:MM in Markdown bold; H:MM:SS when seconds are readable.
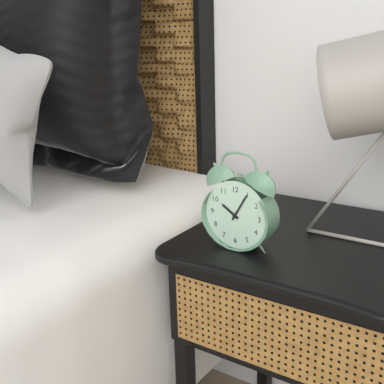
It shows **10:05**
